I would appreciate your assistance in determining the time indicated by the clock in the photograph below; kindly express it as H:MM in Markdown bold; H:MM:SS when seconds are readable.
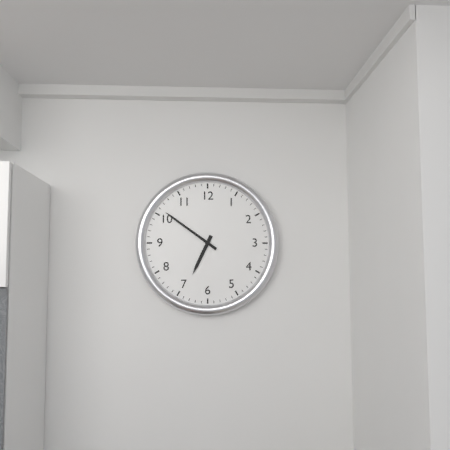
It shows **6:51**
